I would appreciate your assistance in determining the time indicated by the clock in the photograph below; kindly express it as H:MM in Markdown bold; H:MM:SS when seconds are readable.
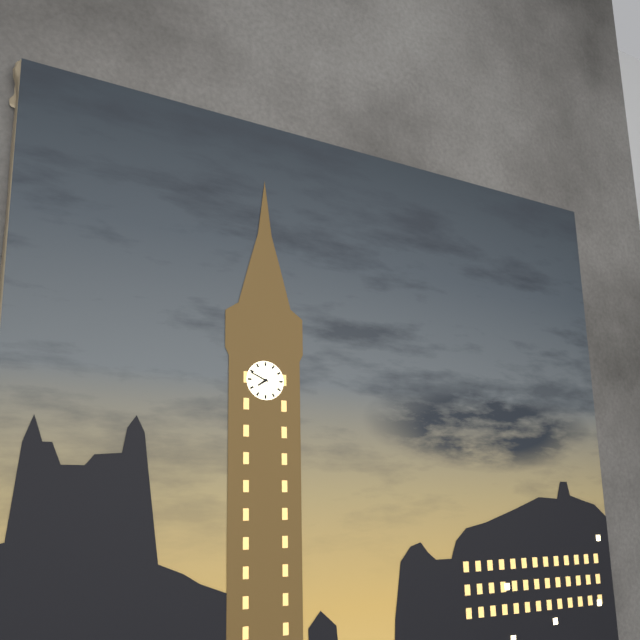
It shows **7:49**
